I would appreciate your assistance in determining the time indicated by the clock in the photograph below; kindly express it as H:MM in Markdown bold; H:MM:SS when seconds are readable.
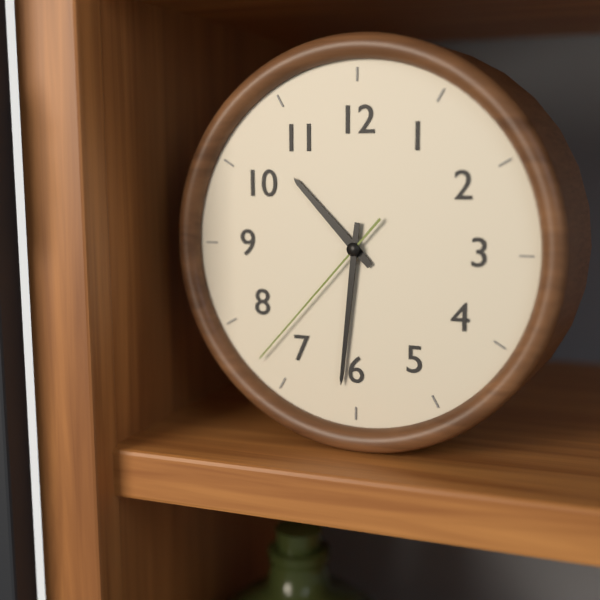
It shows **10:31:37**
